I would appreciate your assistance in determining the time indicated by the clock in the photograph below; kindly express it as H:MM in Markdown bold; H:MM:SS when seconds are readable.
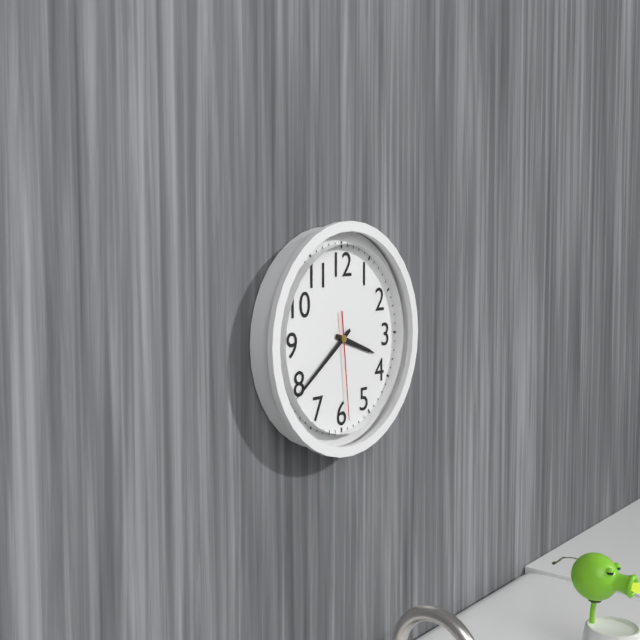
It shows **3:39:29**
